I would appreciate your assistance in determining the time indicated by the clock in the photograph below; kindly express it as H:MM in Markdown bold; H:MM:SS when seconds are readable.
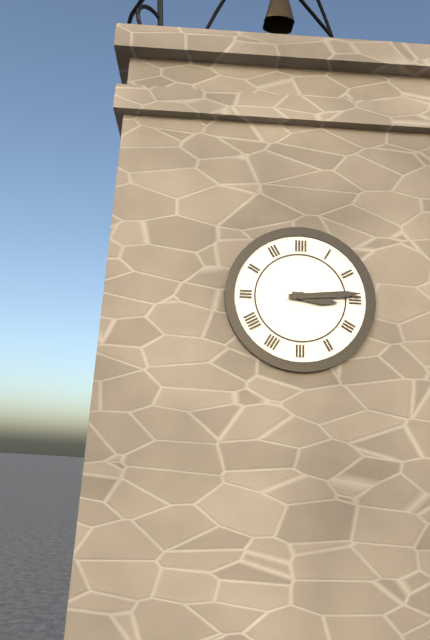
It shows **3:14**
